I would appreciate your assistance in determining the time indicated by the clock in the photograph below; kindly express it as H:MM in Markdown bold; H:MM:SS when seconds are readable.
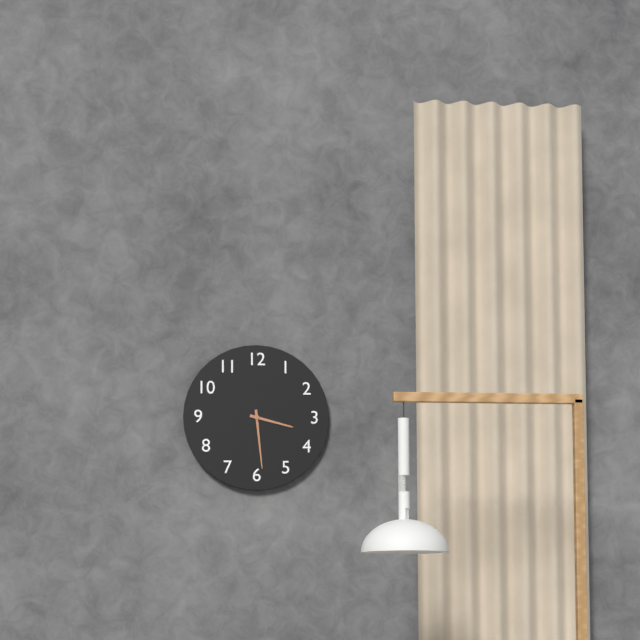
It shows **3:29**
